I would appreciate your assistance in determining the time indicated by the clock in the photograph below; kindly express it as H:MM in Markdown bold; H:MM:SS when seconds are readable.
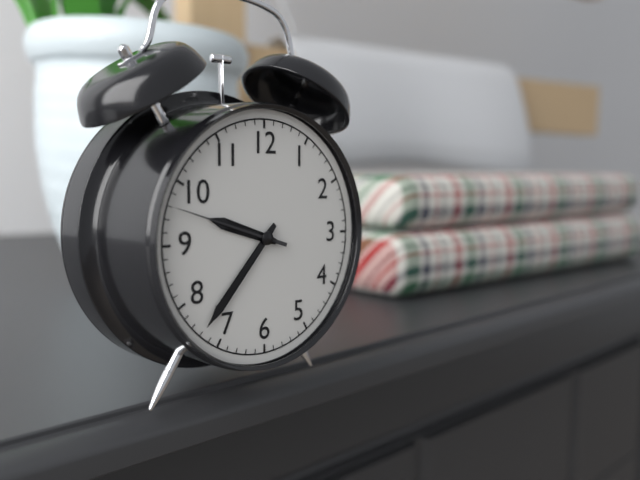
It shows **9:37:48**
